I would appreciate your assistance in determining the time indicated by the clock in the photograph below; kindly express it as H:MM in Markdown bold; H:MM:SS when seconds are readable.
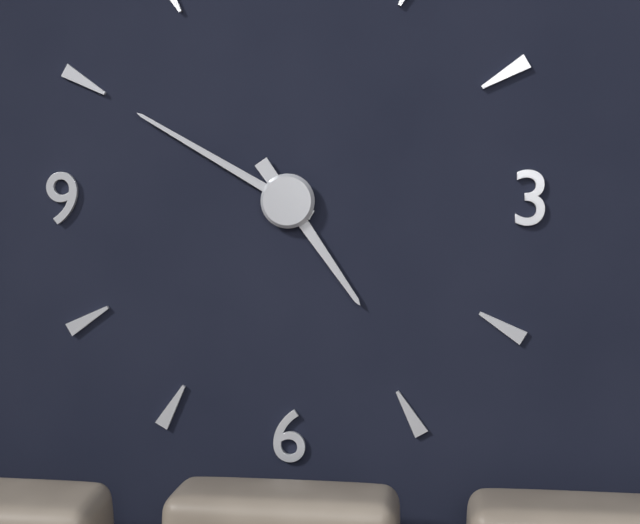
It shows **4:50**
